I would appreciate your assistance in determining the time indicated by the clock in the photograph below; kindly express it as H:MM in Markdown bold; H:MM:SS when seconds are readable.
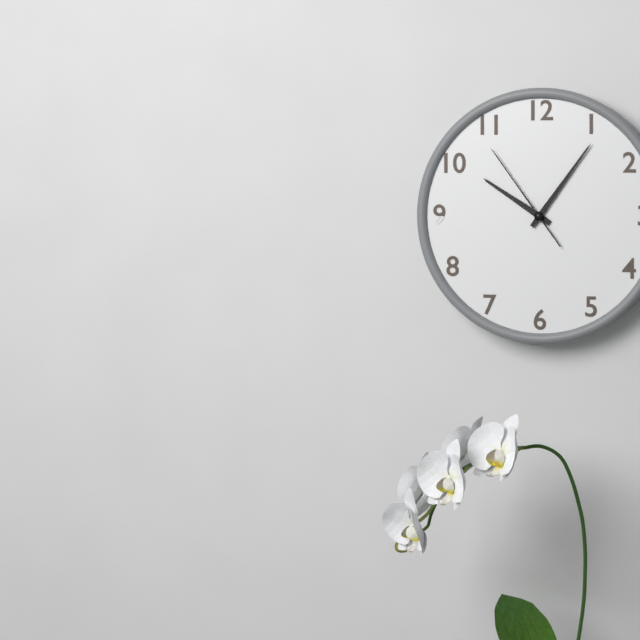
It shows **10:06:54**
